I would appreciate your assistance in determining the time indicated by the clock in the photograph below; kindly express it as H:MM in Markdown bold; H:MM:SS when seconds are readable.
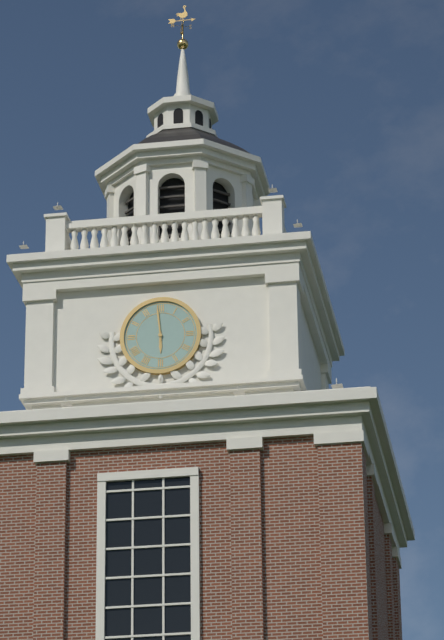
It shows **5:59**
